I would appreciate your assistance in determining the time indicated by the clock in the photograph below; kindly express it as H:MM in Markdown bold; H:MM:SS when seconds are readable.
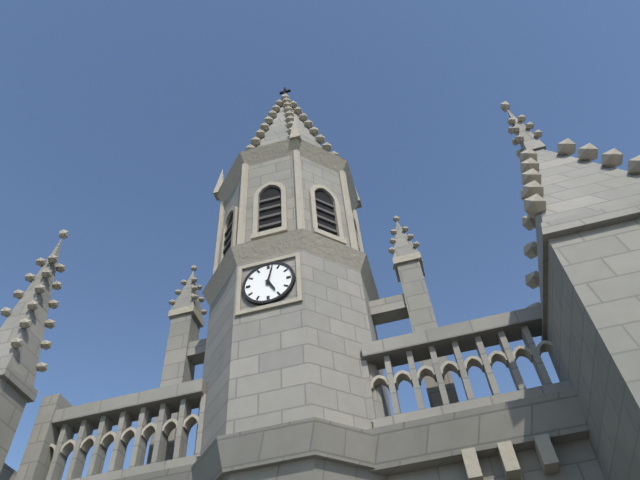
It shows **5:02**
